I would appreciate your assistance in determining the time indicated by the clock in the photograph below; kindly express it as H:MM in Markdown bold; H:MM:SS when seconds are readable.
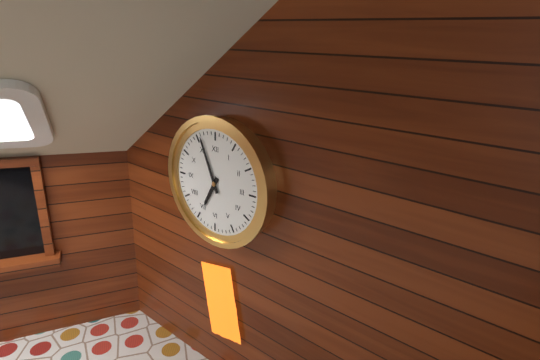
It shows **6:56**
